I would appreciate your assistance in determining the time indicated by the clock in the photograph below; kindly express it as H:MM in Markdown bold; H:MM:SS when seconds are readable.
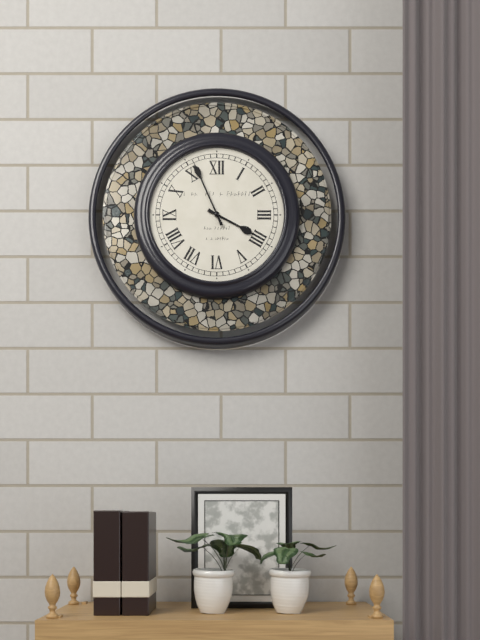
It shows **3:56**
